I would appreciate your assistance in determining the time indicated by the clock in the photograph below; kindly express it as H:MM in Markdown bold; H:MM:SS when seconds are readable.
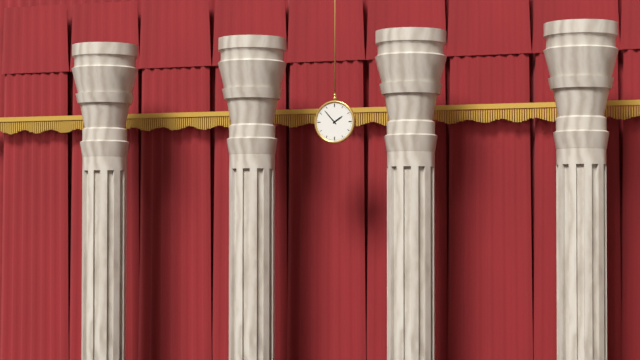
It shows **1:53**
